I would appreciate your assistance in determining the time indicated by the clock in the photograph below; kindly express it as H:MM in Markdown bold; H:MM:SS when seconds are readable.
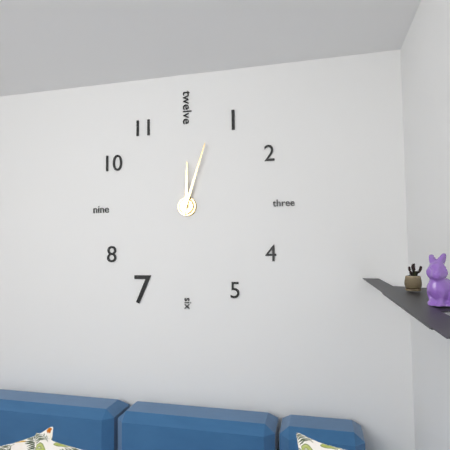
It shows **12:03**
